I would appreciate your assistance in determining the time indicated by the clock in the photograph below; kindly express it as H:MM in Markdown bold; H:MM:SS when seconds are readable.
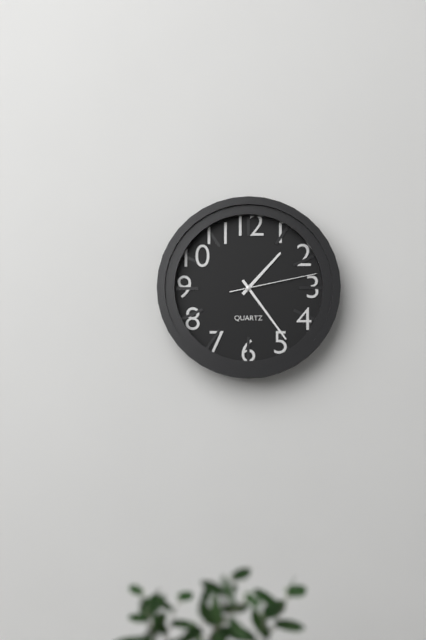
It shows **1:24:13**
